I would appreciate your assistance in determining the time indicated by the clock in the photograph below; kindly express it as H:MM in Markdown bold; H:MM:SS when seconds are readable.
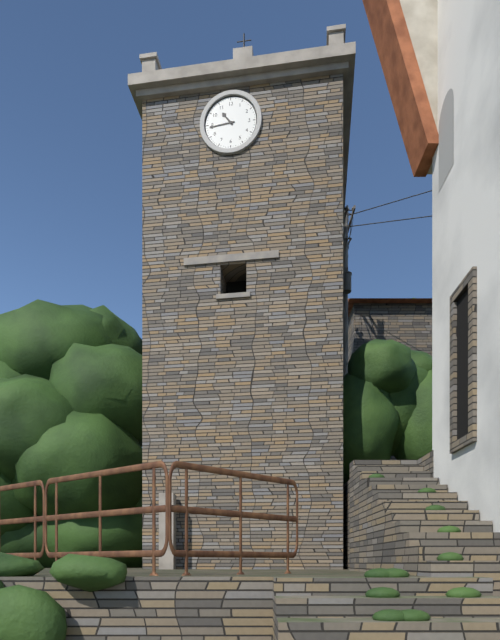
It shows **10:44**
